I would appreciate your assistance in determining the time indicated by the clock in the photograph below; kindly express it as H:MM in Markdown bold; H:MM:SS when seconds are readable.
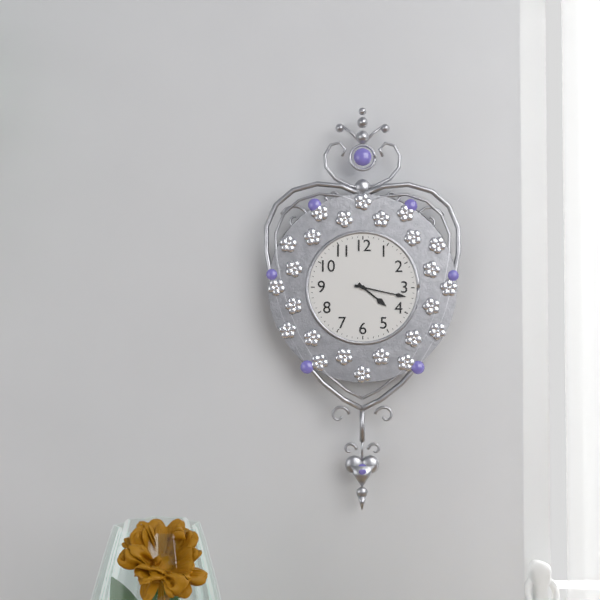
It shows **4:17**
